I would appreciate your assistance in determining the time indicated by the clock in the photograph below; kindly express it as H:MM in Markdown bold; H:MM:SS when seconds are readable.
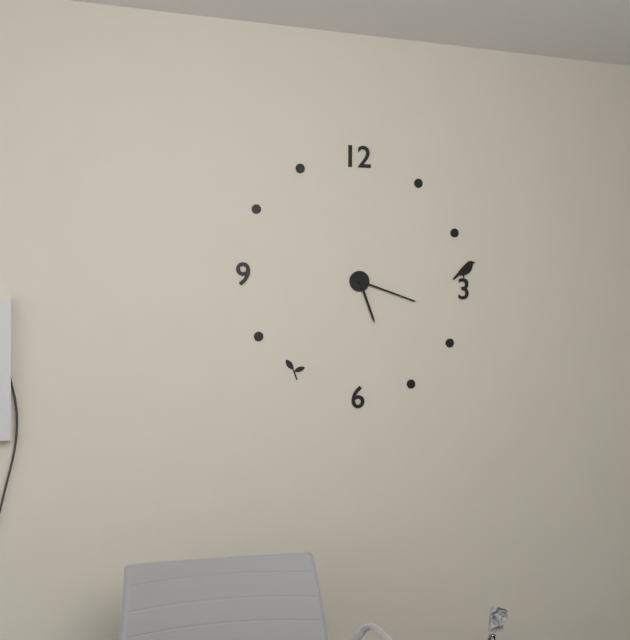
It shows **5:18**
